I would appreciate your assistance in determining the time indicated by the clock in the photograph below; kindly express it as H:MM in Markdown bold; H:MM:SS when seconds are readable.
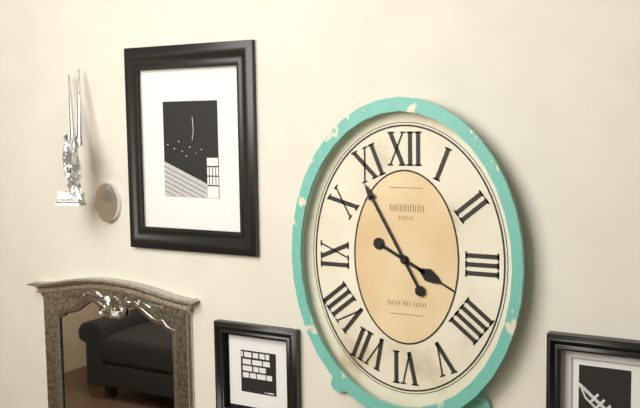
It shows **3:55**
